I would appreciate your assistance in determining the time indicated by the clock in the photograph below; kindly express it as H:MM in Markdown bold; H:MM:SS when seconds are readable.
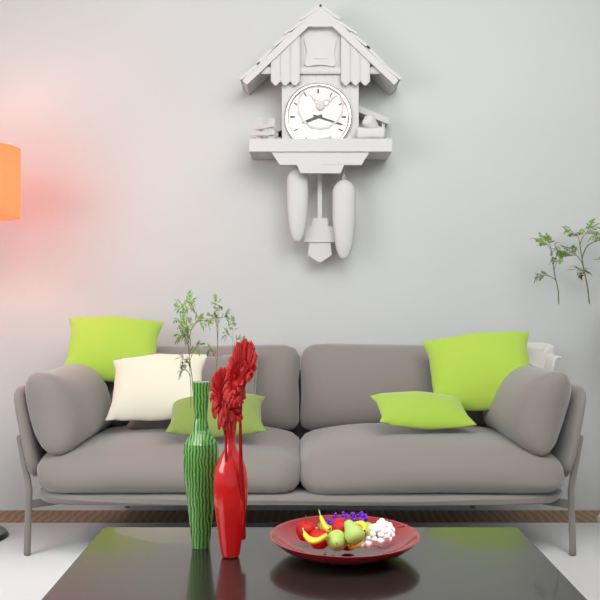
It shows **8:18**
